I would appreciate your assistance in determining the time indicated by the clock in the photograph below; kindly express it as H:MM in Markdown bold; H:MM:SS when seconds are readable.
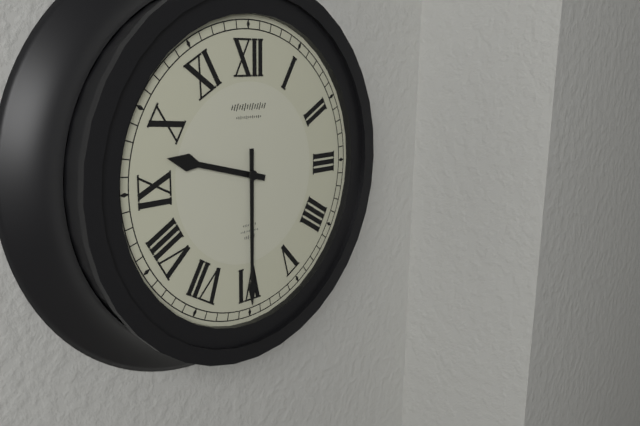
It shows **9:30**
